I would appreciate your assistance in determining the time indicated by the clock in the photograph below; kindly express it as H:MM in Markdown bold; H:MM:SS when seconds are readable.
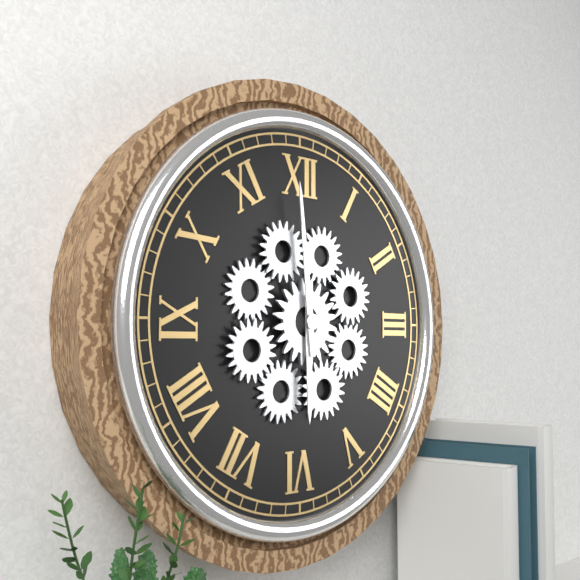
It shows **5:59**
